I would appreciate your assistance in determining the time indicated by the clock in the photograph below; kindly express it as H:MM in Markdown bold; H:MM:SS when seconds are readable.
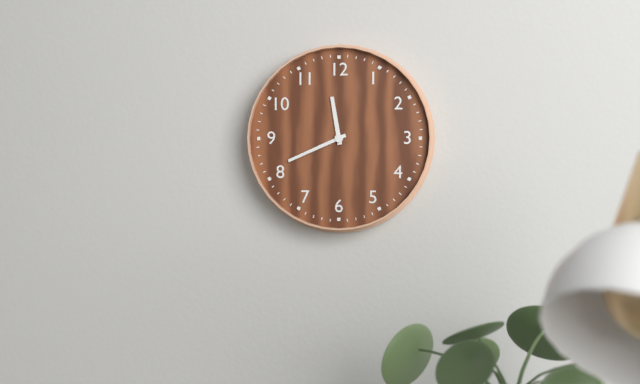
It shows **11:41**
